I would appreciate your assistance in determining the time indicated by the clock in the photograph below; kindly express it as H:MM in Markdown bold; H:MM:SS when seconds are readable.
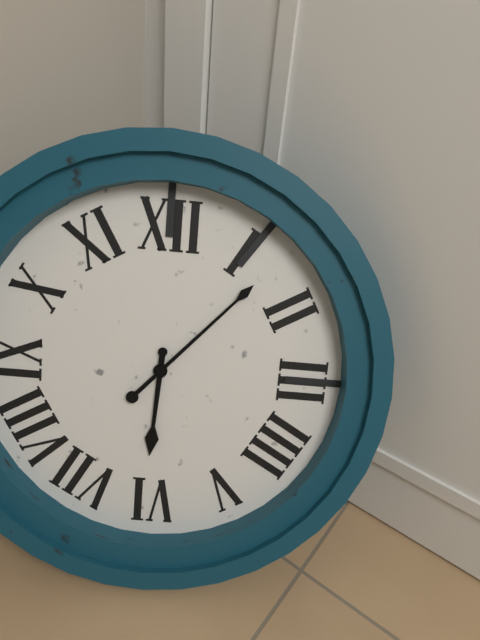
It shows **6:07**
